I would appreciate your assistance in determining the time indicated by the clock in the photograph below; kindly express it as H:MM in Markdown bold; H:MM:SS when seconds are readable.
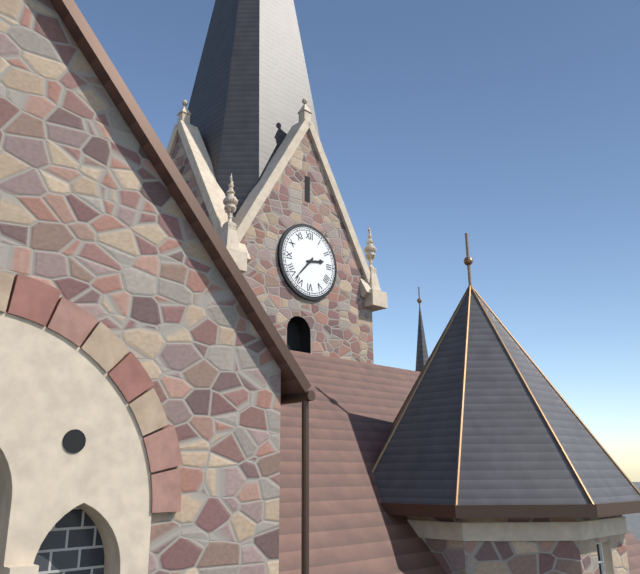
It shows **2:37**
